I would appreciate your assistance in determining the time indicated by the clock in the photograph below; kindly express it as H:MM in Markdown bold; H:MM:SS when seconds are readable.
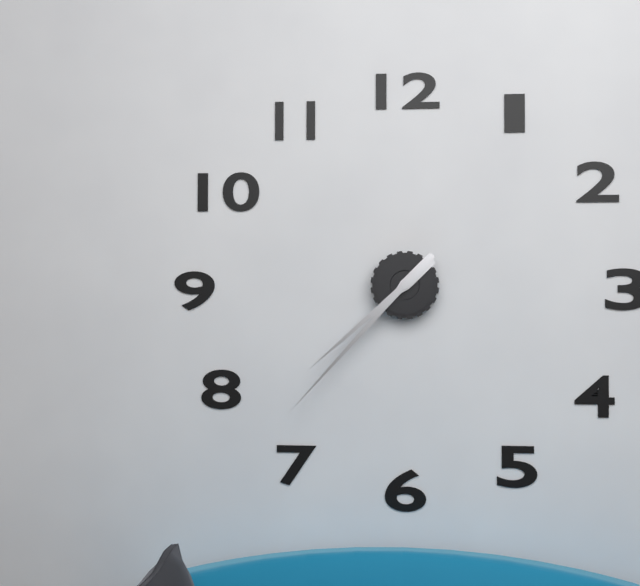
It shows **7:37**
